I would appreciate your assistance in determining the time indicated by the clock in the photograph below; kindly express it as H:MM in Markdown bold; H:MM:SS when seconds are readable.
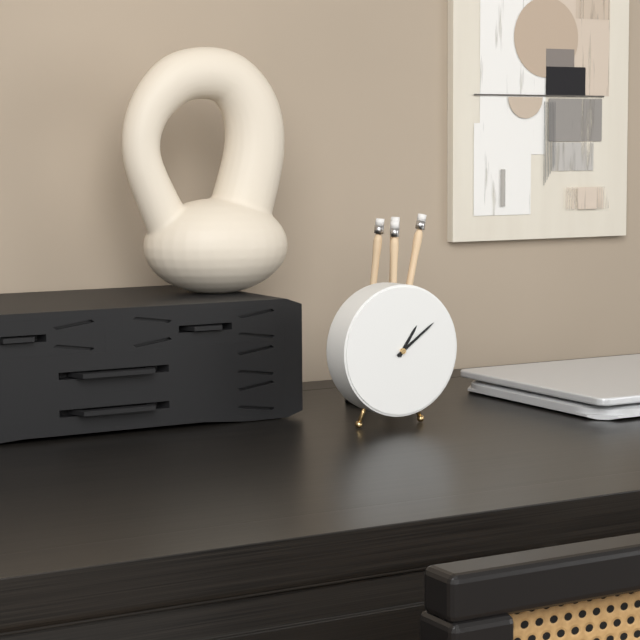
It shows **1:09**
